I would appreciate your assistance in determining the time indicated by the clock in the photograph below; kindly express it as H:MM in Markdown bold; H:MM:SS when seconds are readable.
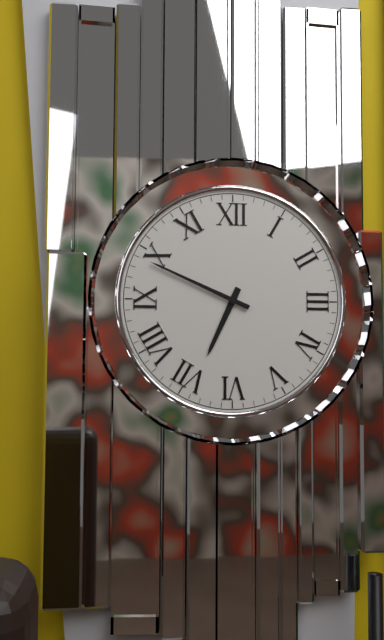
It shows **6:49**
